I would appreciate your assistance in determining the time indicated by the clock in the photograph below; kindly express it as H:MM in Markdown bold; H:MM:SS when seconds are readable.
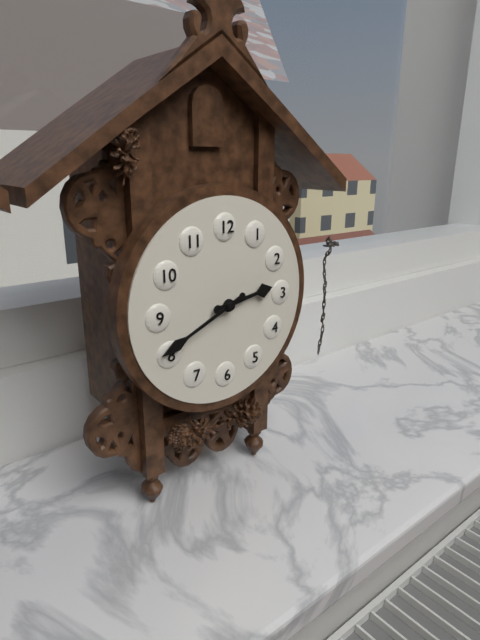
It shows **2:41**
